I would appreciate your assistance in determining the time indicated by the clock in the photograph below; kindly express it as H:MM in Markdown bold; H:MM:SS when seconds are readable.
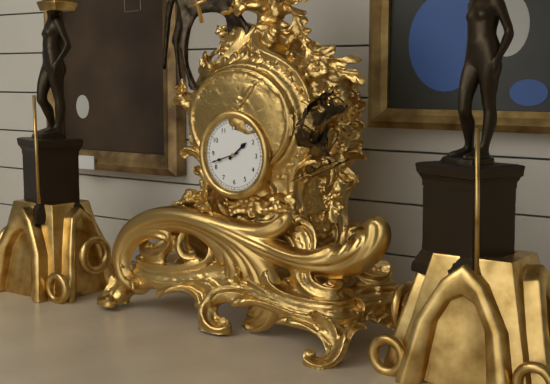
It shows **1:42**
